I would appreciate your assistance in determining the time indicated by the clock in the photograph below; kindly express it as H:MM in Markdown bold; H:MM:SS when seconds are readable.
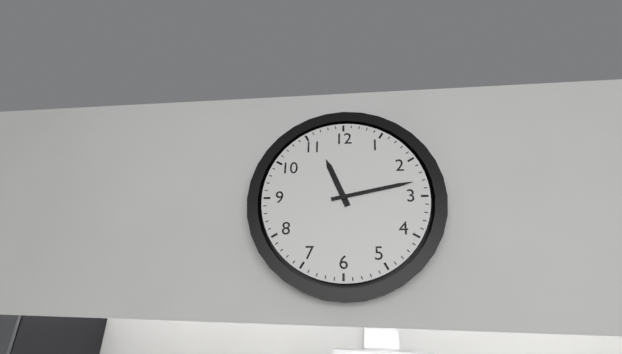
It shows **11:13**
